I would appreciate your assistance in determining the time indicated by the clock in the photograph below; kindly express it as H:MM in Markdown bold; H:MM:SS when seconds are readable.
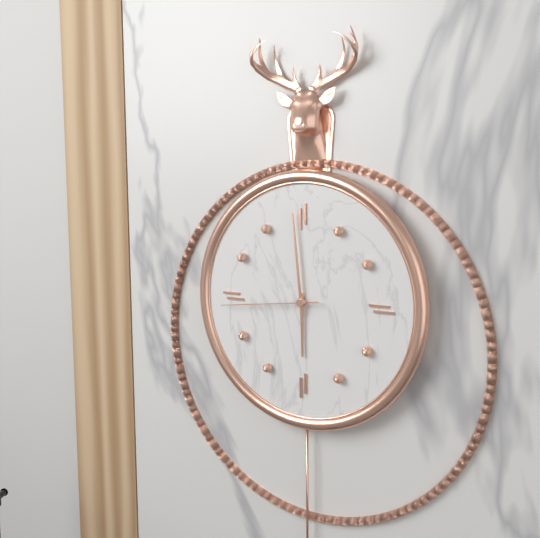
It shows **5:59:44**
